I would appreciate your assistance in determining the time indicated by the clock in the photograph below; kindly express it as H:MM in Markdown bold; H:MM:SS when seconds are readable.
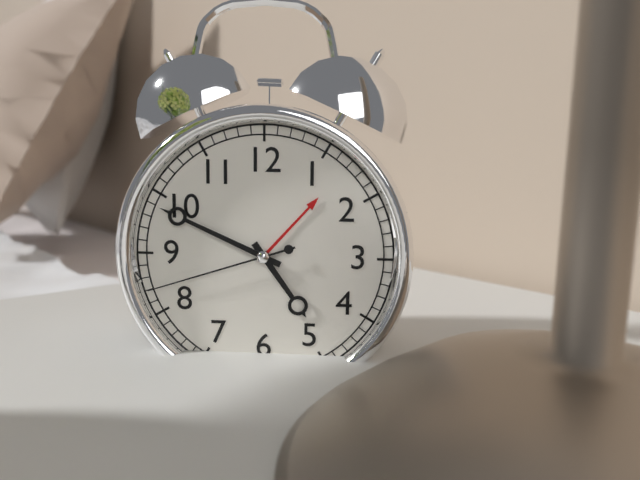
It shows **4:49:42**
